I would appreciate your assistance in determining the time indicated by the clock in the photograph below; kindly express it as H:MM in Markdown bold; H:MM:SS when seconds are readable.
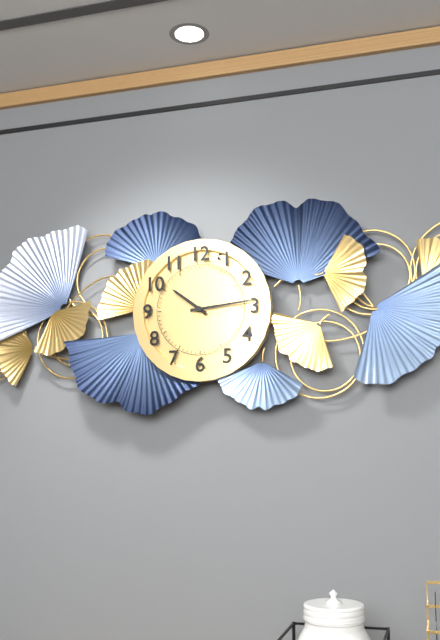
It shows **10:14**
